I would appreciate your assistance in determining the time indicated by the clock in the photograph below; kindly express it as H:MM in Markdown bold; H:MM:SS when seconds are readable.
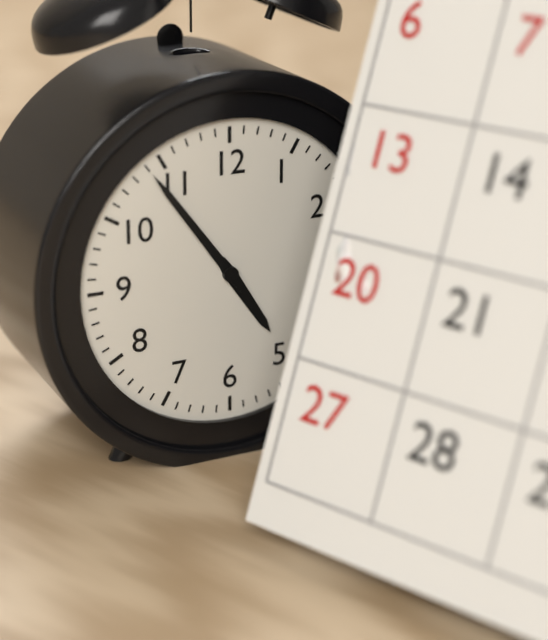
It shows **4:54**
